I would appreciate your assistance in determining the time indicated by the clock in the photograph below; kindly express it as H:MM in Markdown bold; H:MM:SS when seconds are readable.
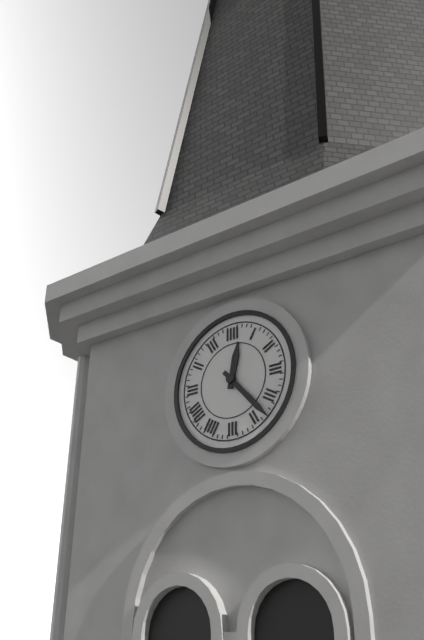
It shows **12:23**
